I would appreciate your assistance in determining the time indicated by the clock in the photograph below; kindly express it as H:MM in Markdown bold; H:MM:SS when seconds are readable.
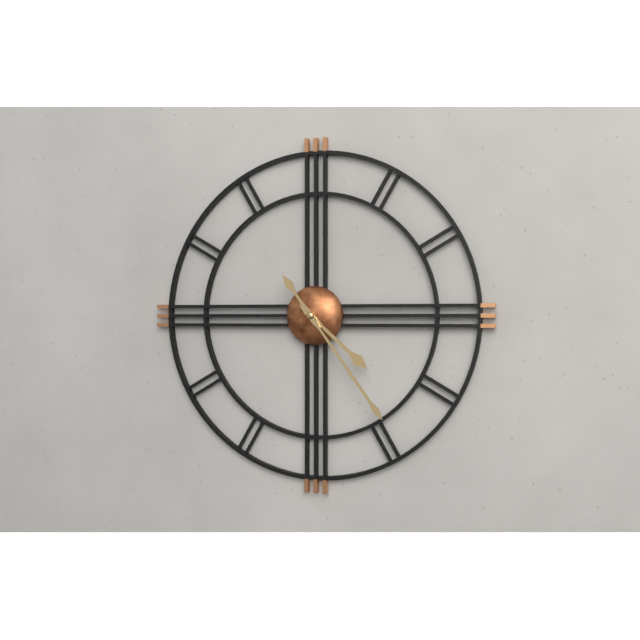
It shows **4:24**
